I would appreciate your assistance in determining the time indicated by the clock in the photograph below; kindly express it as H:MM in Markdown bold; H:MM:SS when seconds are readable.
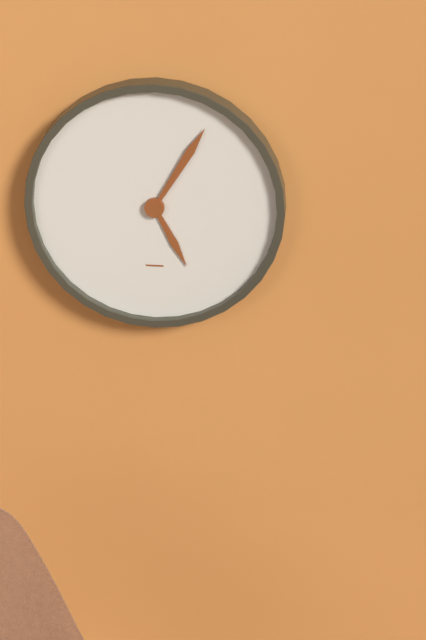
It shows **5:05**
